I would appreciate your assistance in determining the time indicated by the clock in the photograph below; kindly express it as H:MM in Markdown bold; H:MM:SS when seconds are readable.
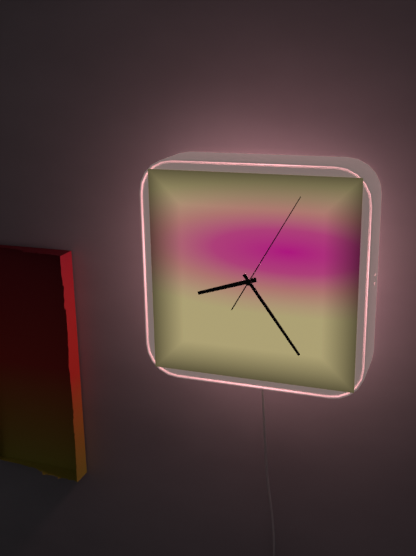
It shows **8:24:05**
